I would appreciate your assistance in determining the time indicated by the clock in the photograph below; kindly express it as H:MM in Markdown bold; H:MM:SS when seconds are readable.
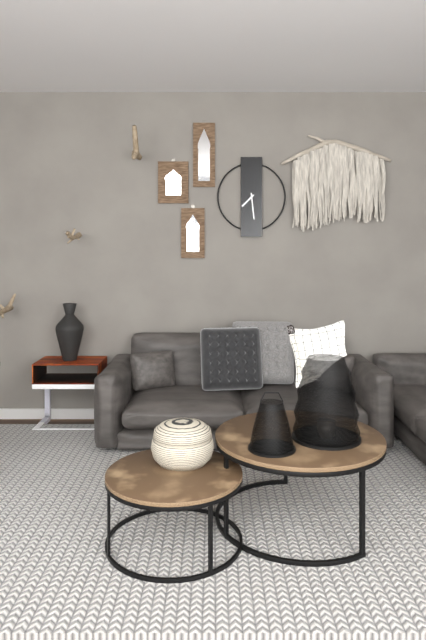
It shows **7:29**
